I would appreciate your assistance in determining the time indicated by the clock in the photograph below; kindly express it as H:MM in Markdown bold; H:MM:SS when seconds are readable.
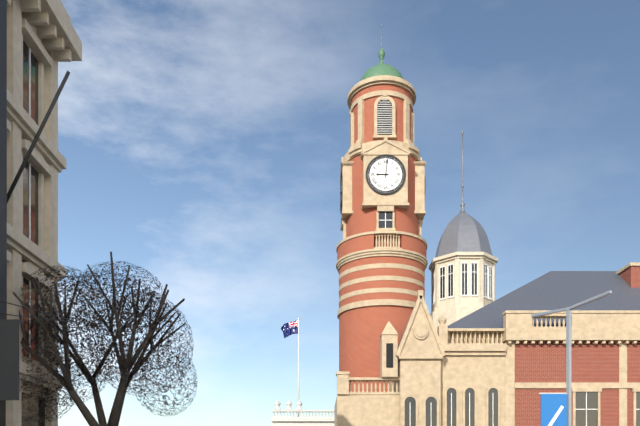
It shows **9:01**
